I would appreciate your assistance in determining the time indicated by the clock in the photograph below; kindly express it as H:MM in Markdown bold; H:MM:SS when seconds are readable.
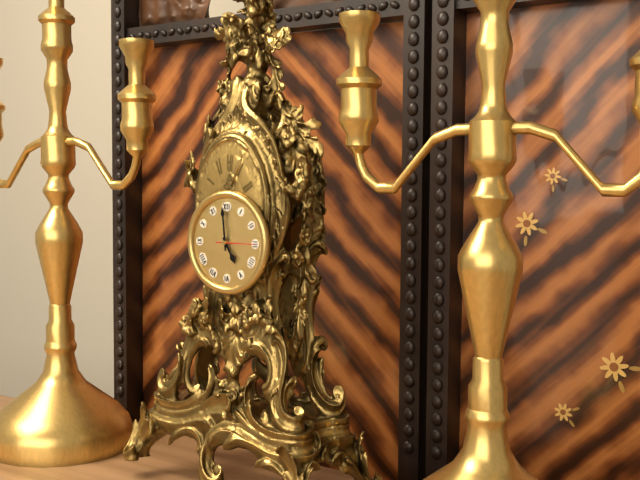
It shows **4:59**
